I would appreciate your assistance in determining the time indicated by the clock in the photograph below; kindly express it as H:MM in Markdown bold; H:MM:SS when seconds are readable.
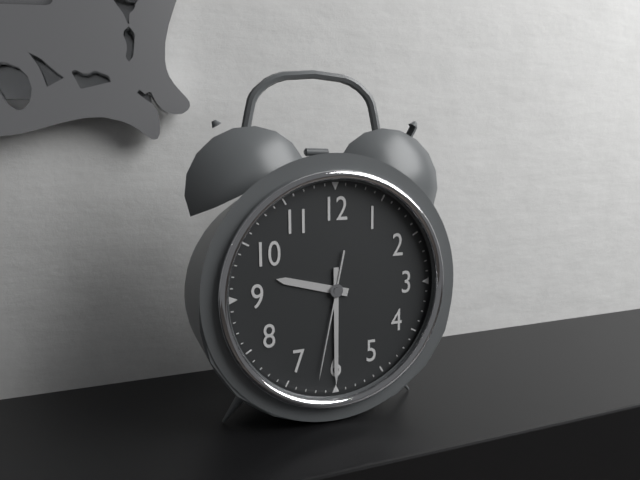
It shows **9:30:32**
